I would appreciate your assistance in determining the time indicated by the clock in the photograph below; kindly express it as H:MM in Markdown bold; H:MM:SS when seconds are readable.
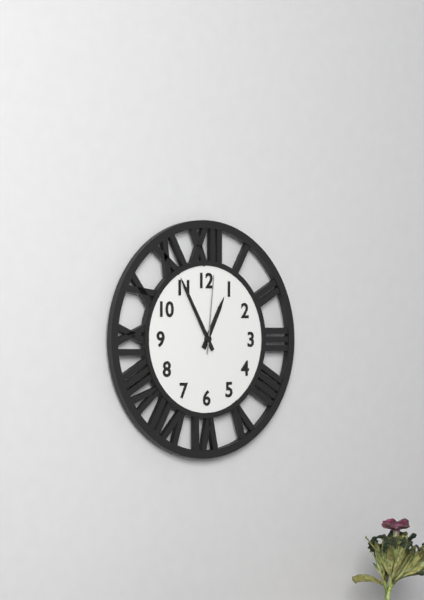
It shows **12:55:01**
